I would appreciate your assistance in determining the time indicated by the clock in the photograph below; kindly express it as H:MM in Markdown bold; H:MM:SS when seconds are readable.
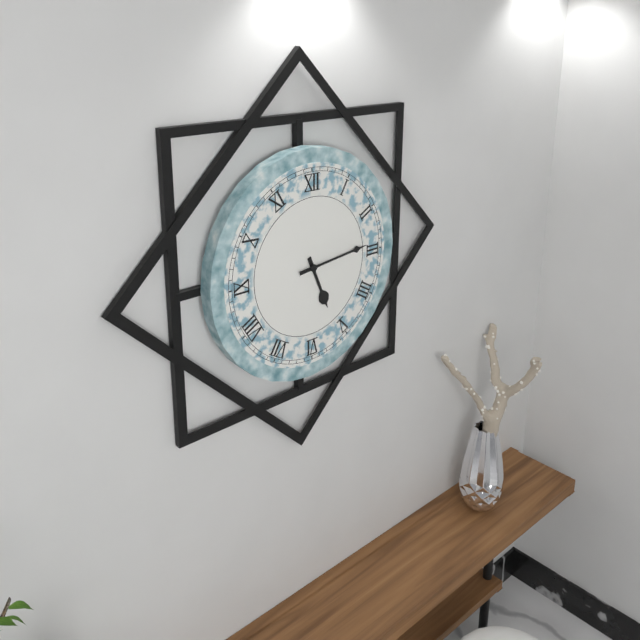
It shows **5:14**
